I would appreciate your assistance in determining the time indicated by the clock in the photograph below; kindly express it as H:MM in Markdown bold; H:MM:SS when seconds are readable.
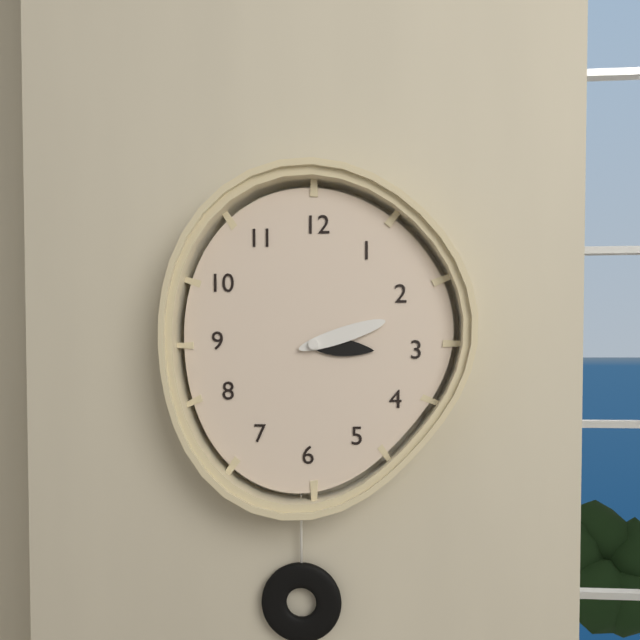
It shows **3:12**
